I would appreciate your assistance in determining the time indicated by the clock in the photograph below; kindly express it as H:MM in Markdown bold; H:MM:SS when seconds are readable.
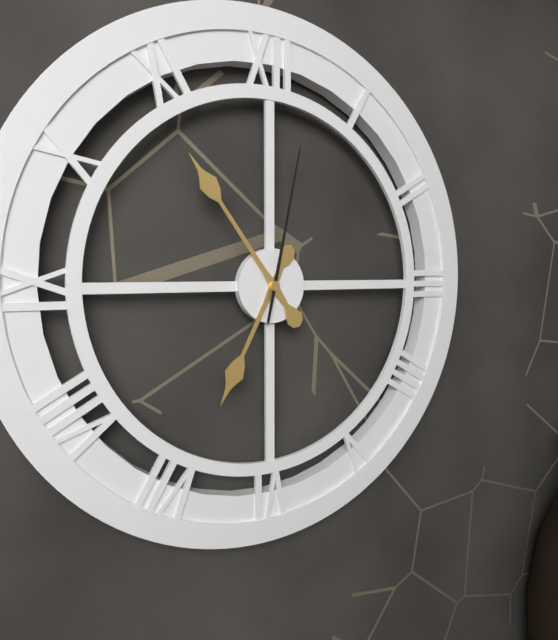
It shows **6:54:02**
